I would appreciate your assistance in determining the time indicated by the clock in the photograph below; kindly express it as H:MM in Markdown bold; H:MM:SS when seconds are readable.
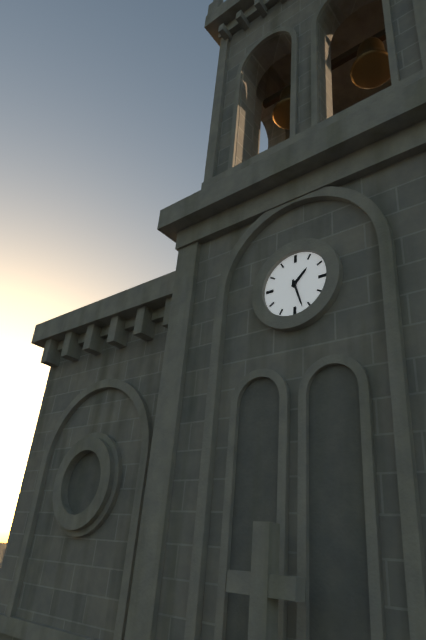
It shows **1:27**
